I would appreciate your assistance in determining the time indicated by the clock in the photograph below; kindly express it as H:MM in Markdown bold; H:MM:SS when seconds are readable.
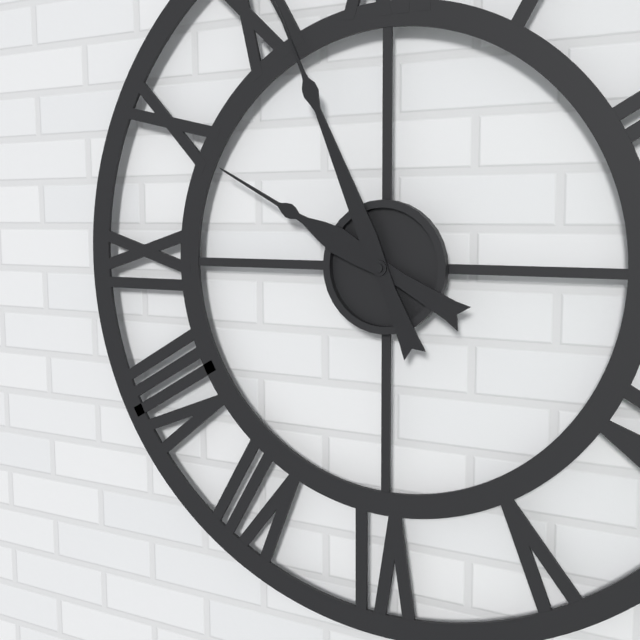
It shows **9:56**
